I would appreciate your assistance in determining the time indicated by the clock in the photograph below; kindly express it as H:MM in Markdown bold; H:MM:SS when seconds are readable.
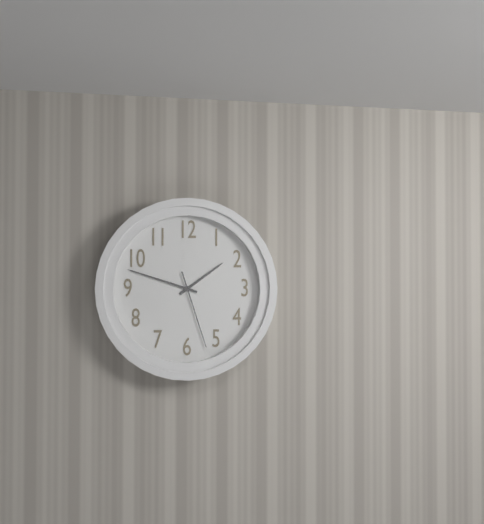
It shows **1:48:27**
